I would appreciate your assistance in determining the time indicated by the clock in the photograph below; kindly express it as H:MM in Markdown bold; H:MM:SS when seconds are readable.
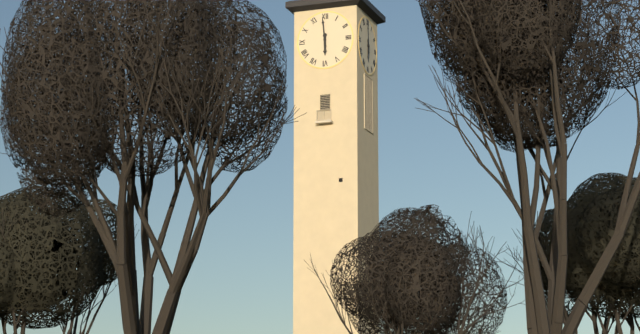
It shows **5:59**
